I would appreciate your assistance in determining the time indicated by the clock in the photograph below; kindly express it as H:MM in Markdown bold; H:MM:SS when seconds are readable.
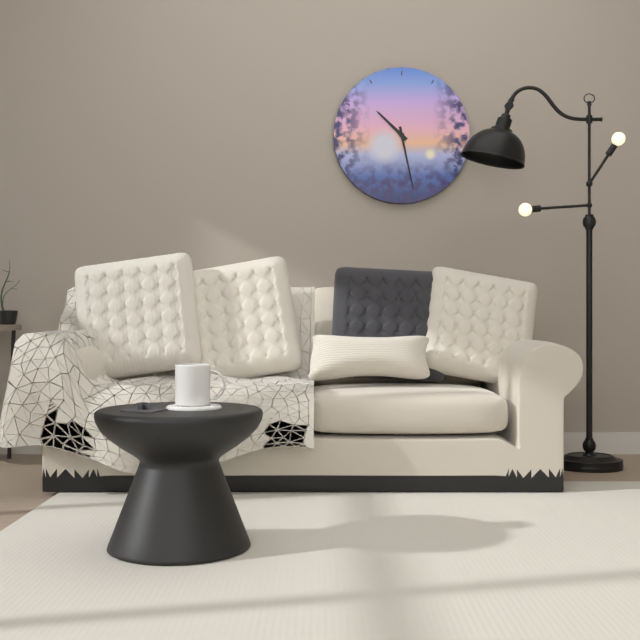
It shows **10:28**
